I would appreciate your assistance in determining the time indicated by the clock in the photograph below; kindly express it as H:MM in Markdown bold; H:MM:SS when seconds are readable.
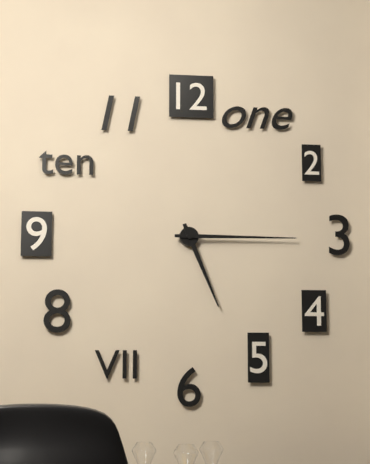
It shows **5:15**
